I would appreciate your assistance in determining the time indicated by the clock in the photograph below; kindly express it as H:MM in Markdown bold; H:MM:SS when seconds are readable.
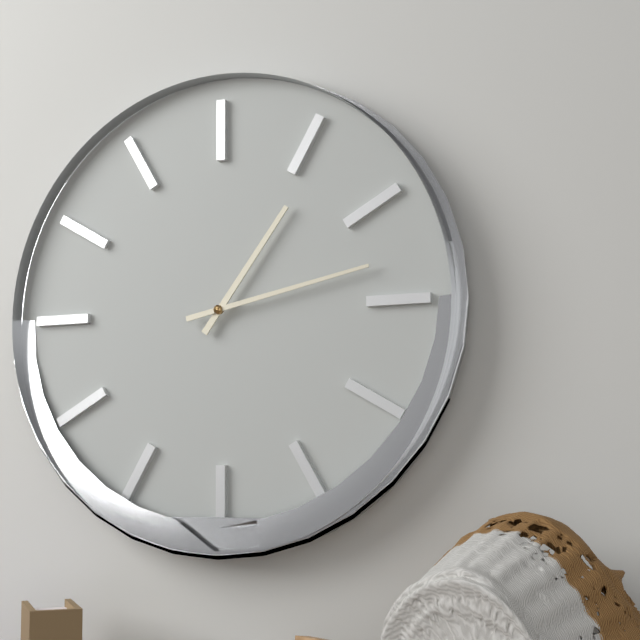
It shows **1:13**
